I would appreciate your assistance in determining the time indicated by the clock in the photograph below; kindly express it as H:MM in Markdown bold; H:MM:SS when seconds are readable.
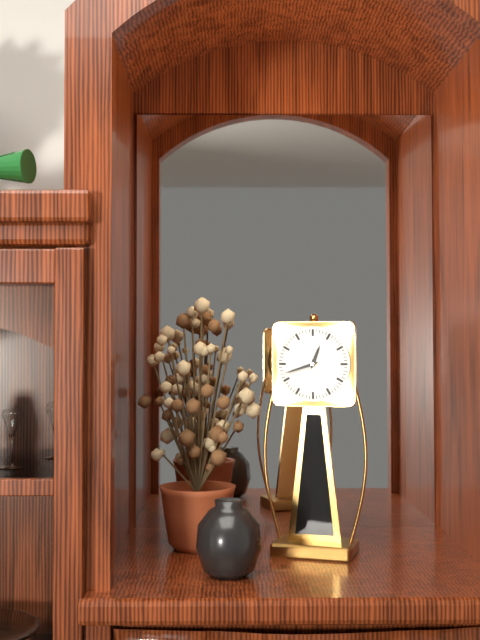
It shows **12:42**
